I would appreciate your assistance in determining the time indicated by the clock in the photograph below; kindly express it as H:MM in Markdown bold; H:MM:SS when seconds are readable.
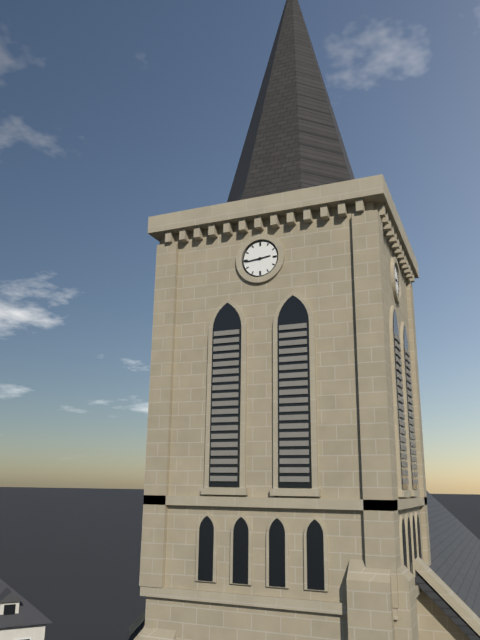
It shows **2:44**
